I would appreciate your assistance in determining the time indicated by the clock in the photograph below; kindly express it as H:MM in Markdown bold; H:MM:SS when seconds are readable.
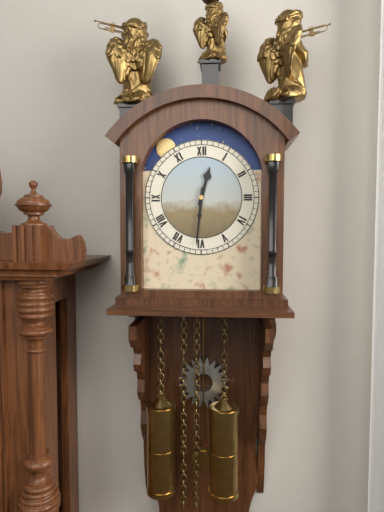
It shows **12:31**
